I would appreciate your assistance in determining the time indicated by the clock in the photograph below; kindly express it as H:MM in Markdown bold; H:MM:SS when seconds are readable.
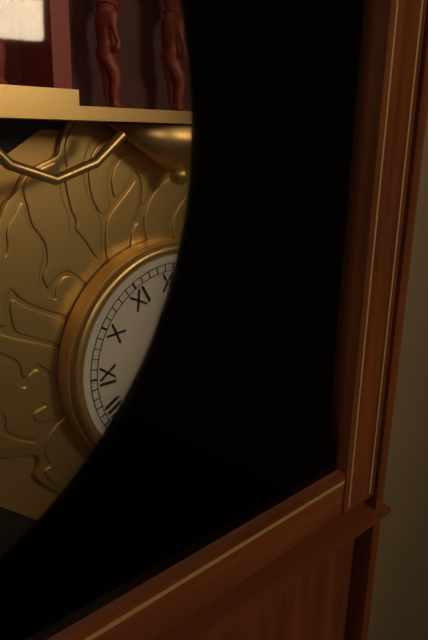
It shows **11:36**
